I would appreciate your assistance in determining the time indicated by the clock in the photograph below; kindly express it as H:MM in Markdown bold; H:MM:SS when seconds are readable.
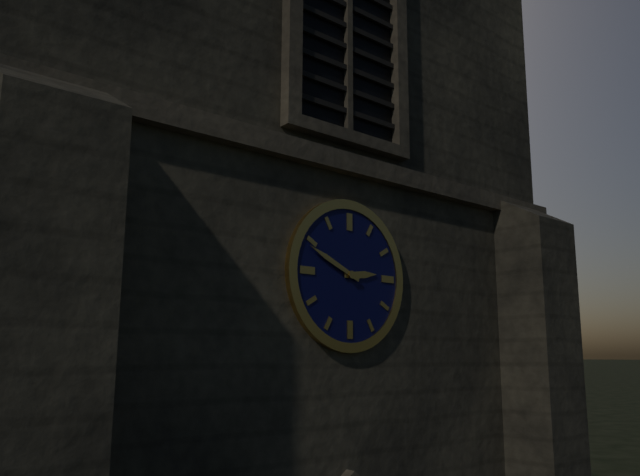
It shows **2:49**
